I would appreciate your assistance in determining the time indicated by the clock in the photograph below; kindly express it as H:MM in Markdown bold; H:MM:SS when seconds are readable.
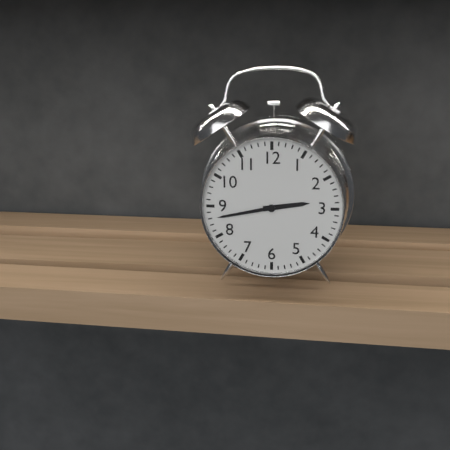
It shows **2:43**
